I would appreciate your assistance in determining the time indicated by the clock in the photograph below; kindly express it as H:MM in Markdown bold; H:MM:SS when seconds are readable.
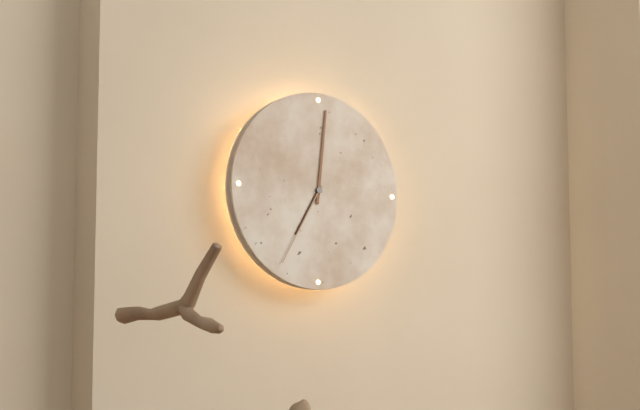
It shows **7:01:35**
